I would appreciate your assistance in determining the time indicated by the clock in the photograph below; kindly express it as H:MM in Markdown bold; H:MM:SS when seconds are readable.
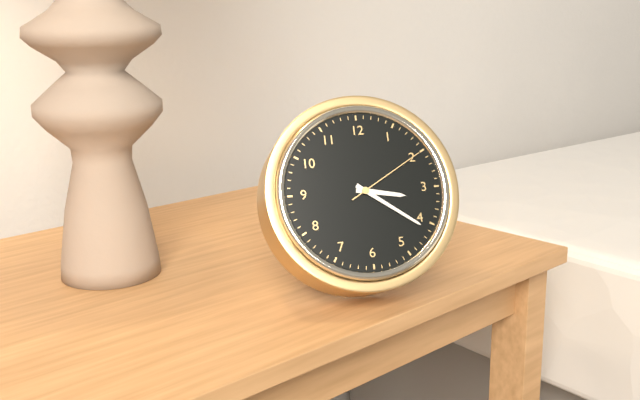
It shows **3:21:10**
